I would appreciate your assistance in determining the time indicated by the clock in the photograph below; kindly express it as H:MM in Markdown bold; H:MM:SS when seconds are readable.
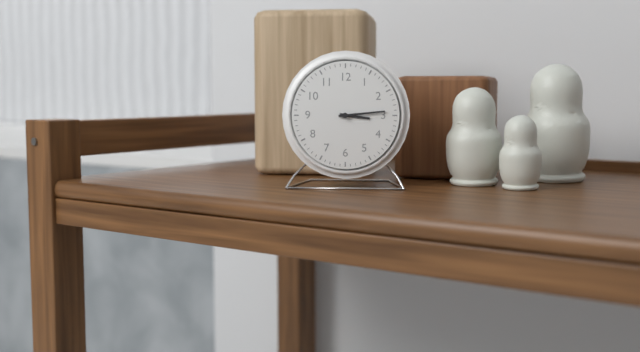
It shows **3:14**
